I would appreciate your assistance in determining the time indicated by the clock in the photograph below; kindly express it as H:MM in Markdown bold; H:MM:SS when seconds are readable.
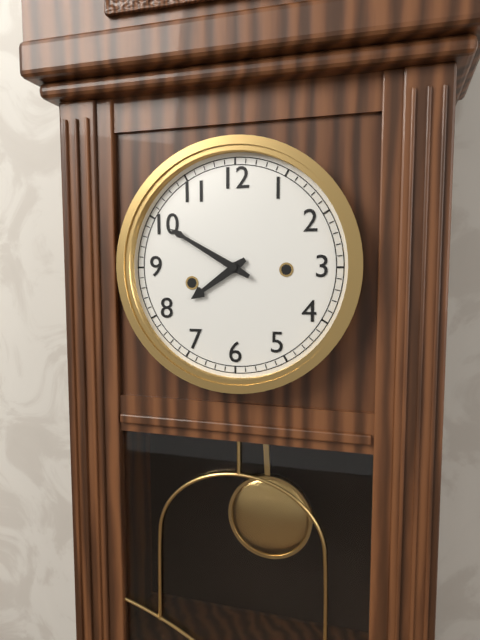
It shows **7:50**
